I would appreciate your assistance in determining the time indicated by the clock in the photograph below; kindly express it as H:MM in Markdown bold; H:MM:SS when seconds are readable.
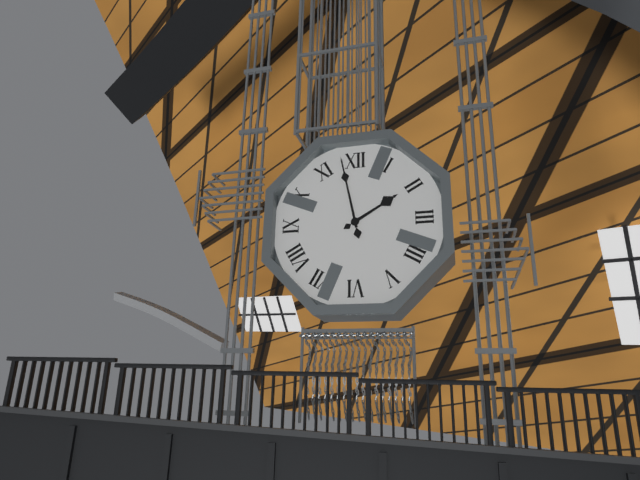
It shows **1:58**
